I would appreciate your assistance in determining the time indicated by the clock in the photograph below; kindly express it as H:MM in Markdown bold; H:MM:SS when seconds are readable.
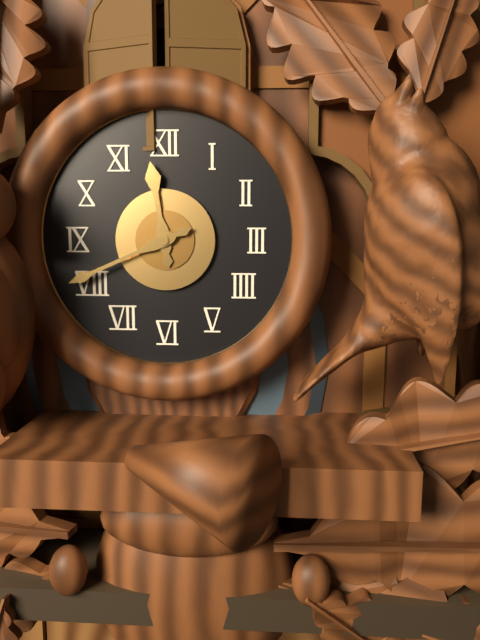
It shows **11:41**
